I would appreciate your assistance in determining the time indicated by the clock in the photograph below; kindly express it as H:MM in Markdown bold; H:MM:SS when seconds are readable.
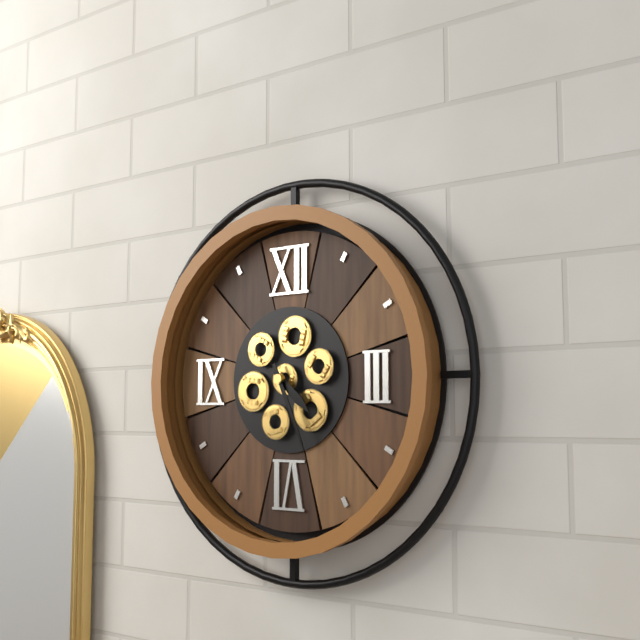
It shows **4:26**
